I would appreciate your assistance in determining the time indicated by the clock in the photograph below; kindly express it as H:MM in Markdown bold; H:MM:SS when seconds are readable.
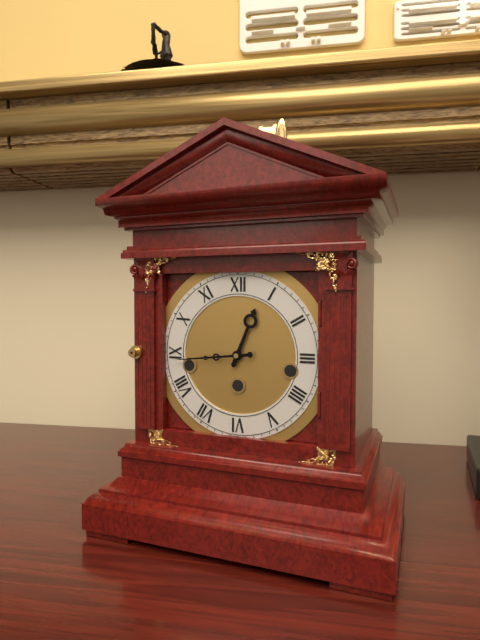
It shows **12:44**
